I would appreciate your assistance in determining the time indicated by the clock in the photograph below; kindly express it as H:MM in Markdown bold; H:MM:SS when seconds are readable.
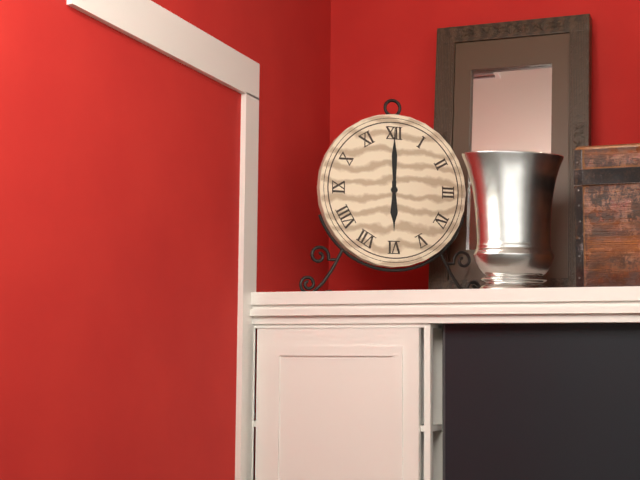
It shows **6:00**
